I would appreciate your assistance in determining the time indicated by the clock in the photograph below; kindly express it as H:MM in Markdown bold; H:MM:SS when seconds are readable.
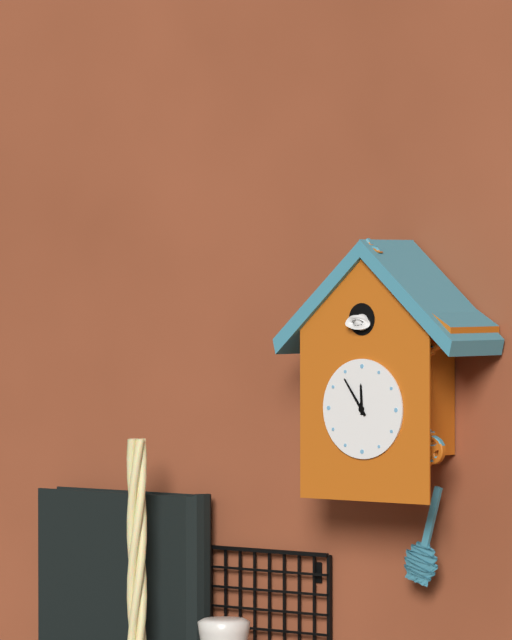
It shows **11:54**
